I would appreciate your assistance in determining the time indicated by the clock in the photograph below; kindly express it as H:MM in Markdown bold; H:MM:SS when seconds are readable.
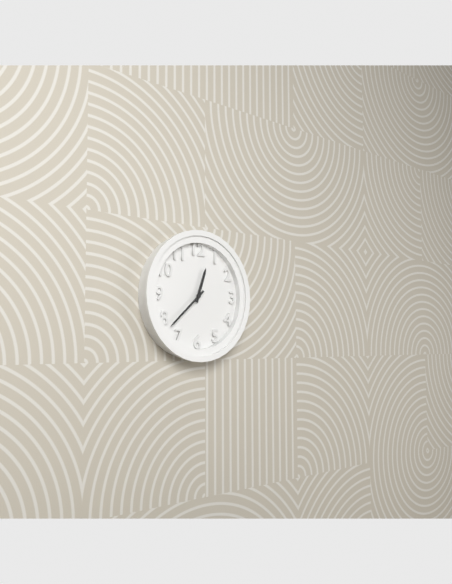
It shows **12:38**
